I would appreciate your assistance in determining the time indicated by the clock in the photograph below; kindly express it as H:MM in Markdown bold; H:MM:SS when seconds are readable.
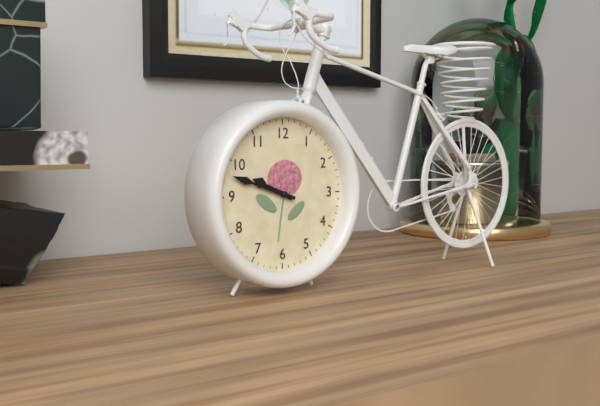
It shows **9:48**
